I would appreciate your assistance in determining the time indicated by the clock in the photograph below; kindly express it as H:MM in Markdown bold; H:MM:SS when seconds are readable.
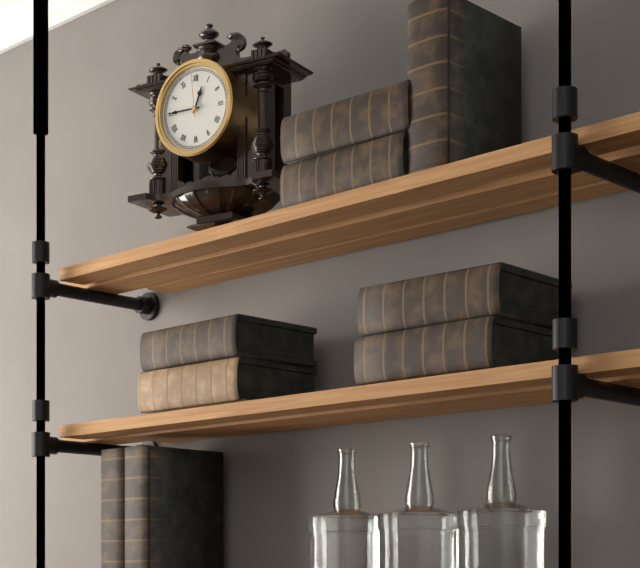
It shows **12:45**
